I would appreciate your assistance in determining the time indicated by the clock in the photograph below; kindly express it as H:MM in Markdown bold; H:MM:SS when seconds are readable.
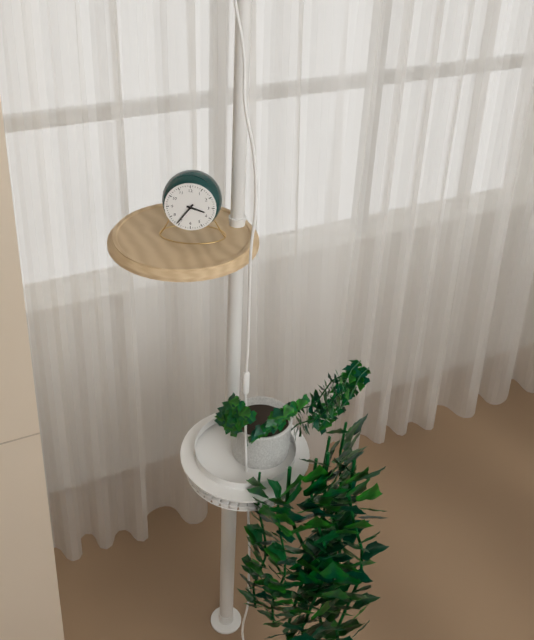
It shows **3:36**
